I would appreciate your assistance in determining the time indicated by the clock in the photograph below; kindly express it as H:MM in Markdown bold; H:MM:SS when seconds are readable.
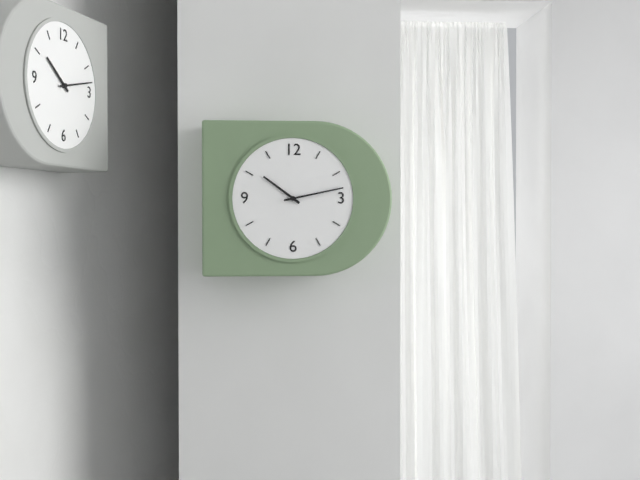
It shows **10:13**
